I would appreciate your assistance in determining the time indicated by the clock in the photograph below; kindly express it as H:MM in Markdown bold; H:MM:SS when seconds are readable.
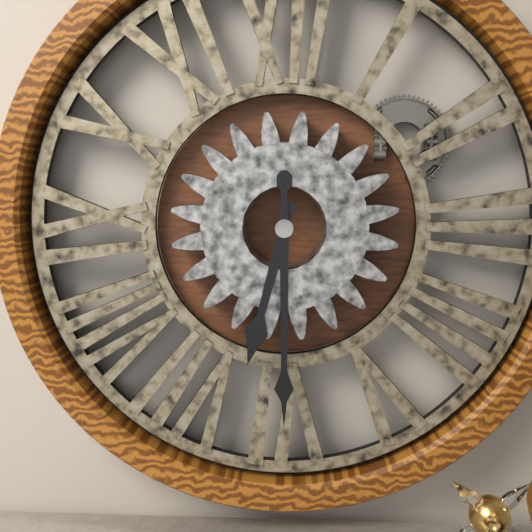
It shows **6:30**
